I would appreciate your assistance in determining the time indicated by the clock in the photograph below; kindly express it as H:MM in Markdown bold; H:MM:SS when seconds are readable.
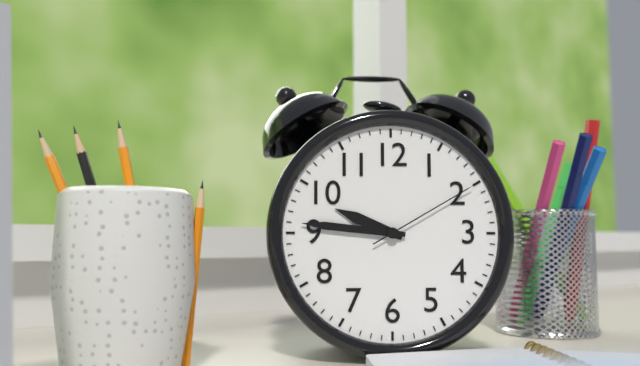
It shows **9:46:10**
